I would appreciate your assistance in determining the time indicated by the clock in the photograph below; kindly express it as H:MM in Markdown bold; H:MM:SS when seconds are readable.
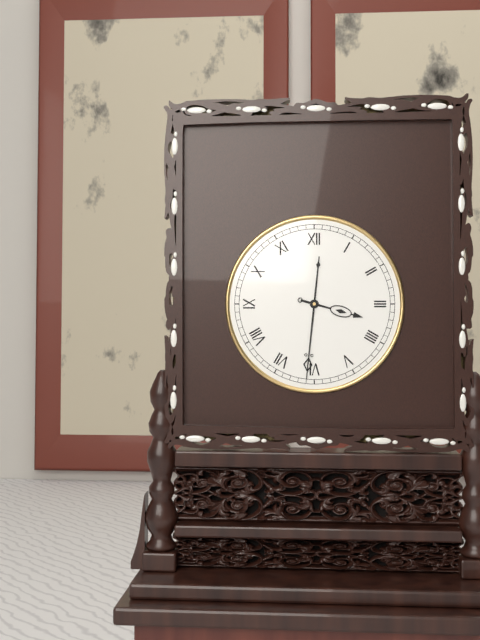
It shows **3:31**
